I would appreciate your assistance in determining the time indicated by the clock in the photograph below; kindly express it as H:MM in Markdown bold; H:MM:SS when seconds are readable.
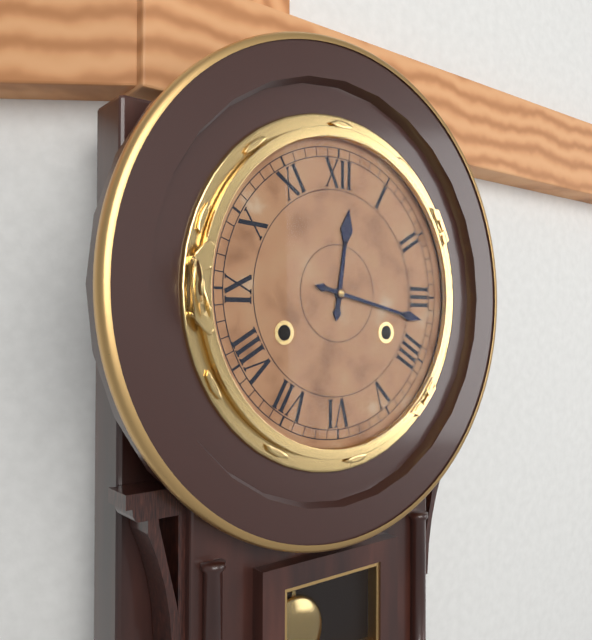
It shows **12:17**
